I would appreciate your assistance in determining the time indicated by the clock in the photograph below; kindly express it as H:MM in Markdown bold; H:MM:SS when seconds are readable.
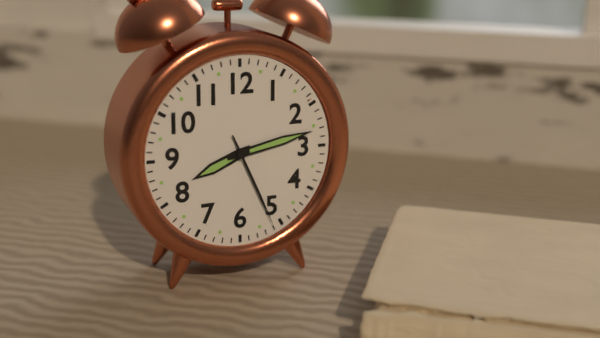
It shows **8:13:26**
